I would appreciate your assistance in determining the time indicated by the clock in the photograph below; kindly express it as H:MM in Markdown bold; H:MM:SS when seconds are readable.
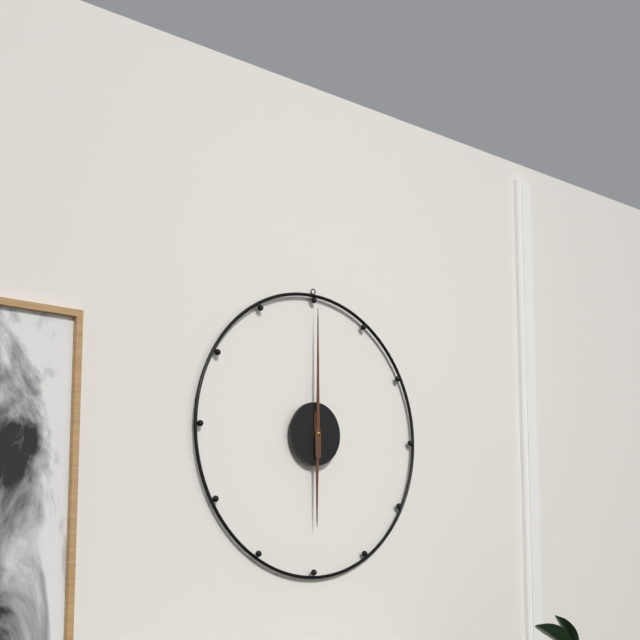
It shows **6:00**
